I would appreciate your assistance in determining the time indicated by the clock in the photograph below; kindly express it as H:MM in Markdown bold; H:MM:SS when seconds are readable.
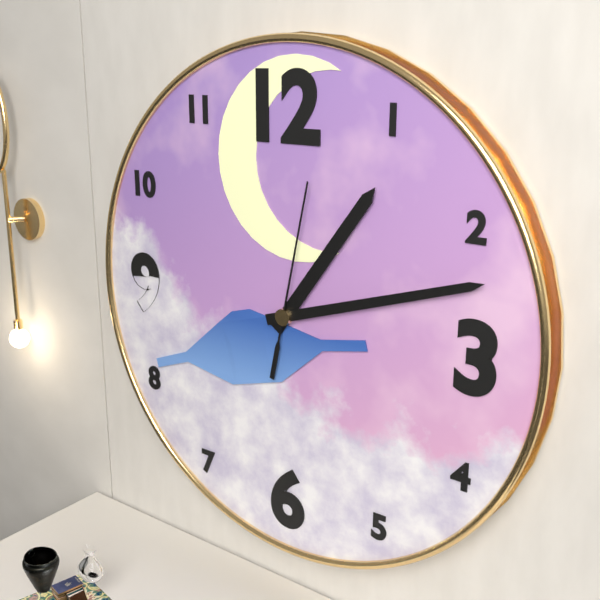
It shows **1:12:02**
